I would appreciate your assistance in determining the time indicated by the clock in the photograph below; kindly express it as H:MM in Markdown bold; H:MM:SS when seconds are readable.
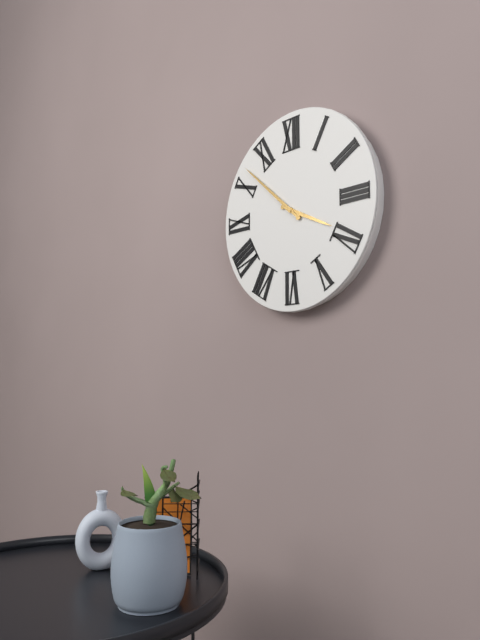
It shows **3:52**
